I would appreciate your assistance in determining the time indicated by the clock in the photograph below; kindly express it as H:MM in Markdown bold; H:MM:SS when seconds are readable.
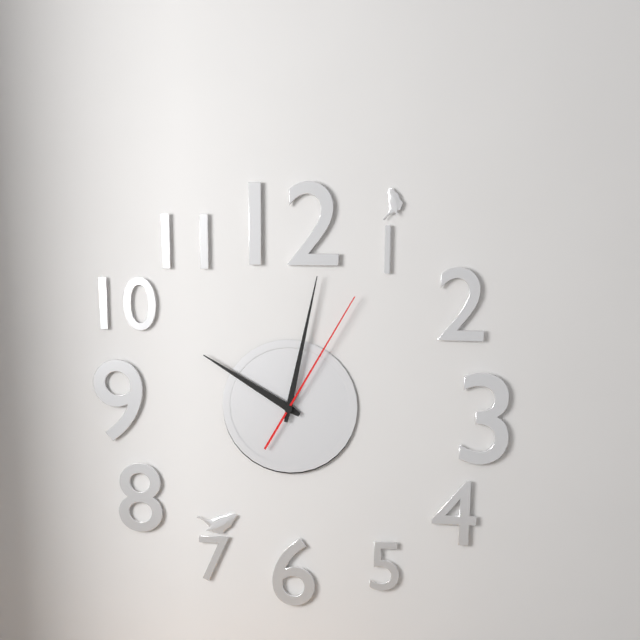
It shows **10:02:05**
